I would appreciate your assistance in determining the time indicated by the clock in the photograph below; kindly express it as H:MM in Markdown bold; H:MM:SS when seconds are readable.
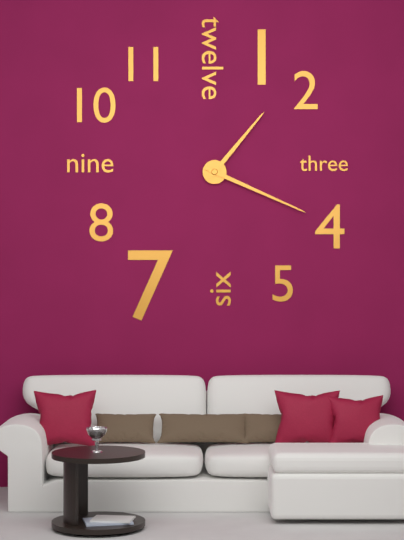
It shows **1:19**
